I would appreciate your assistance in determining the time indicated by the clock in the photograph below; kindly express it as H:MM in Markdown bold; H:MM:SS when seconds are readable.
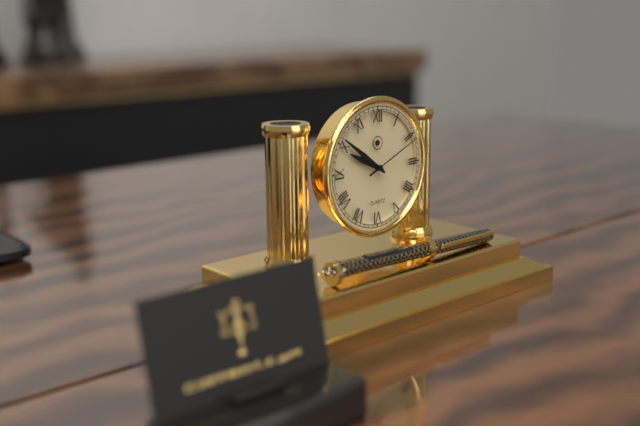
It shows **9:51:11**
